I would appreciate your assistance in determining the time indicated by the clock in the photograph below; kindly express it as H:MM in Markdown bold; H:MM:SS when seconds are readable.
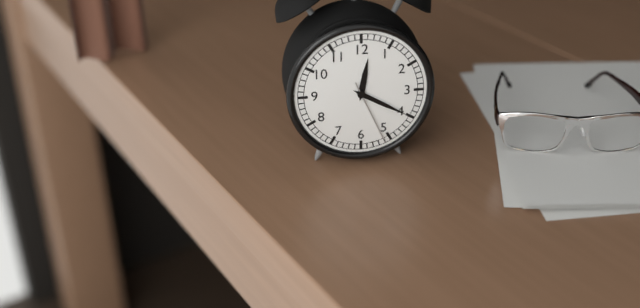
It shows **12:20:26**
